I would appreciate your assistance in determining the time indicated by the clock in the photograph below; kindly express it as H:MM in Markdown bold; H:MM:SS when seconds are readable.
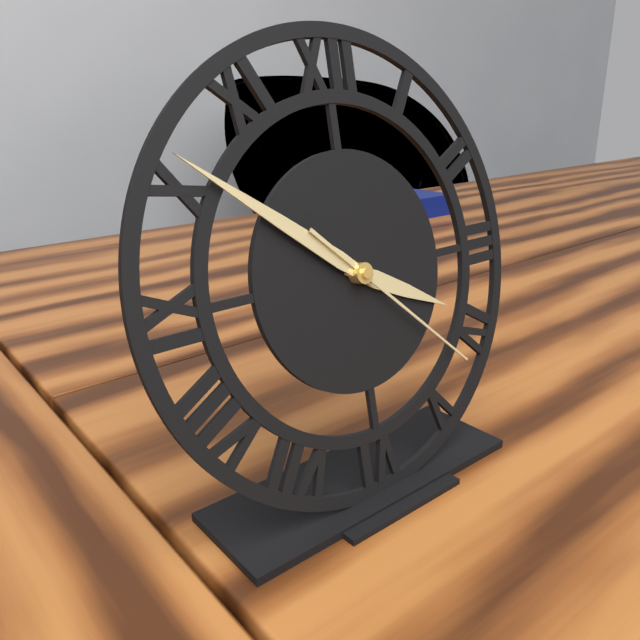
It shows **3:51:22**
